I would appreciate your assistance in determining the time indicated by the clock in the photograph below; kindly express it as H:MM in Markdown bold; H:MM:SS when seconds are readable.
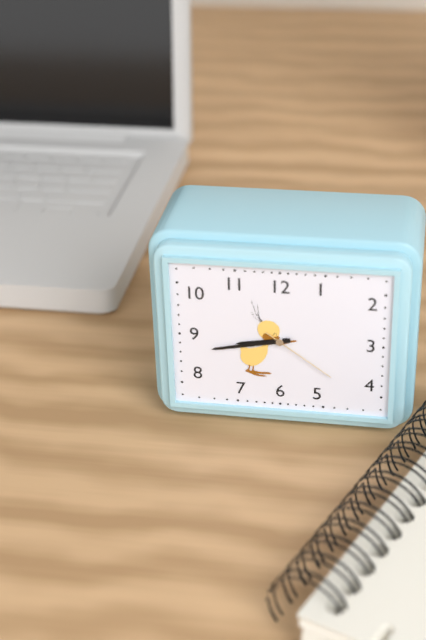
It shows **8:43:21**
